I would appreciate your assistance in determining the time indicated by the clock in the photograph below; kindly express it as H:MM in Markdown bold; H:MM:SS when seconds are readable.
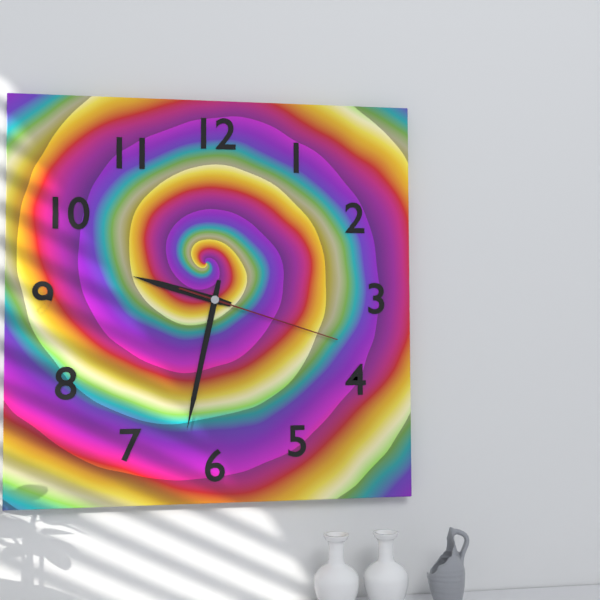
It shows **9:32:18**
